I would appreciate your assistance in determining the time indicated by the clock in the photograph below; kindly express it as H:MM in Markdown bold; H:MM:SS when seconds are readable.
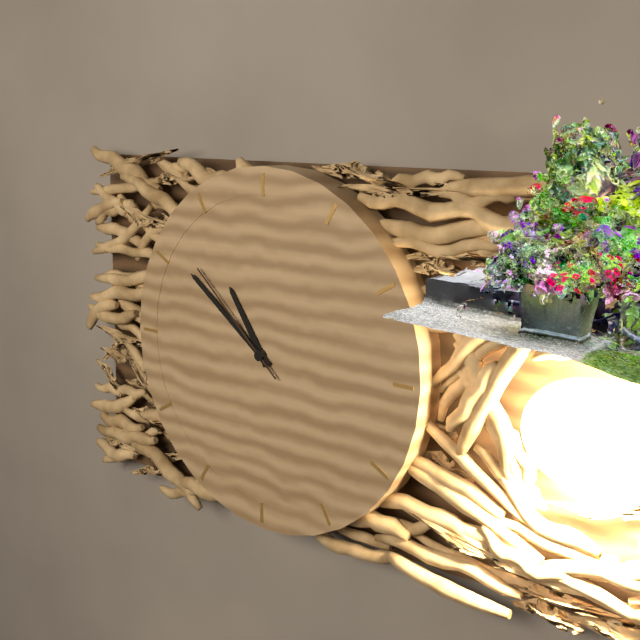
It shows **10:51:52**
